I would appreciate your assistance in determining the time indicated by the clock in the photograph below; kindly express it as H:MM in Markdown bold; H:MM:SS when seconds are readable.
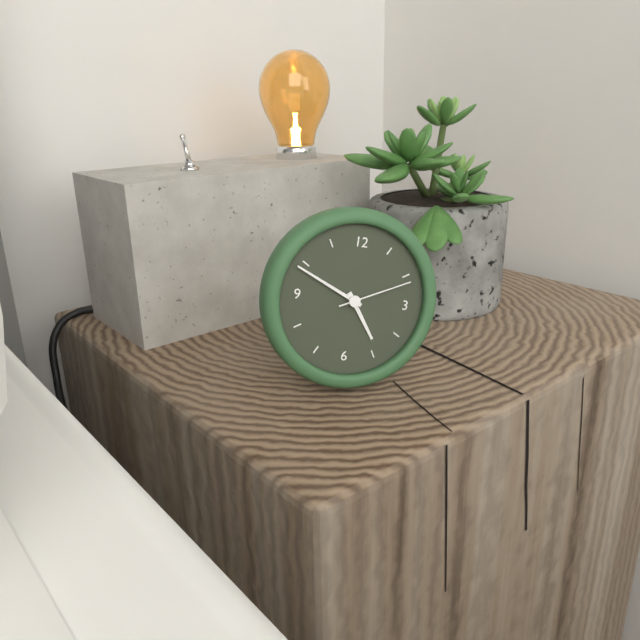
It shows **4:49:11**
